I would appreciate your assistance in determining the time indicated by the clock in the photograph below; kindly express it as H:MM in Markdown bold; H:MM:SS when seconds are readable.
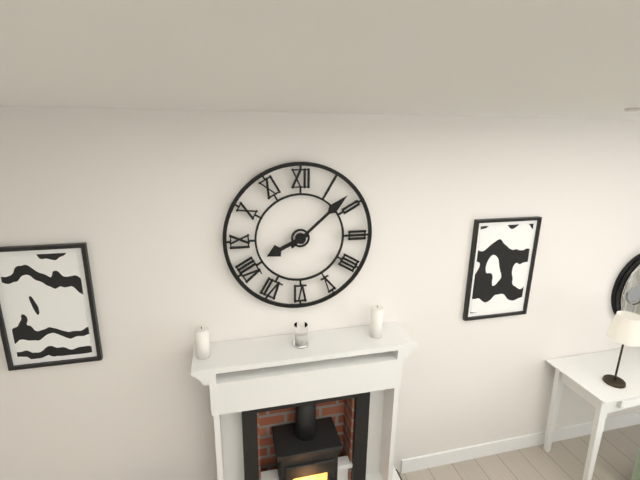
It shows **8:08**
